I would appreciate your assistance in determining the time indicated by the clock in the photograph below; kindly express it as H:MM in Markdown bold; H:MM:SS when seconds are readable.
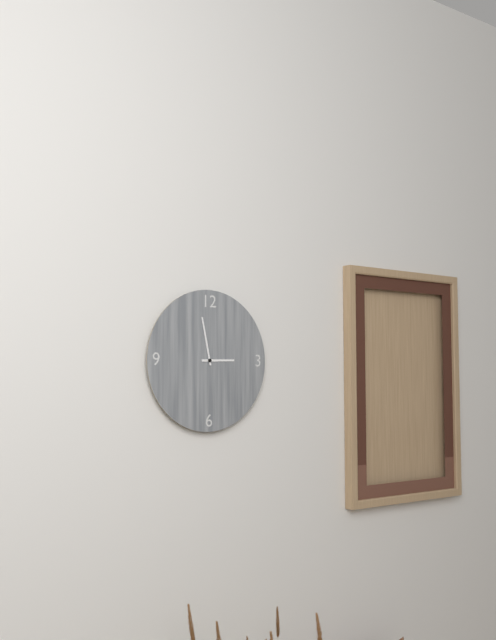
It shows **2:58**
